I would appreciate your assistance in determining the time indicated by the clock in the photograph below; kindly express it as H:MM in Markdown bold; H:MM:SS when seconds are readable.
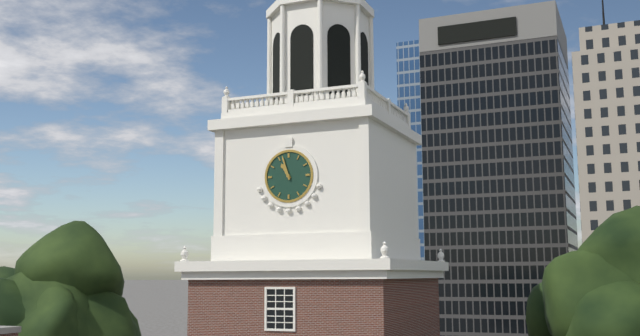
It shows **10:57**
